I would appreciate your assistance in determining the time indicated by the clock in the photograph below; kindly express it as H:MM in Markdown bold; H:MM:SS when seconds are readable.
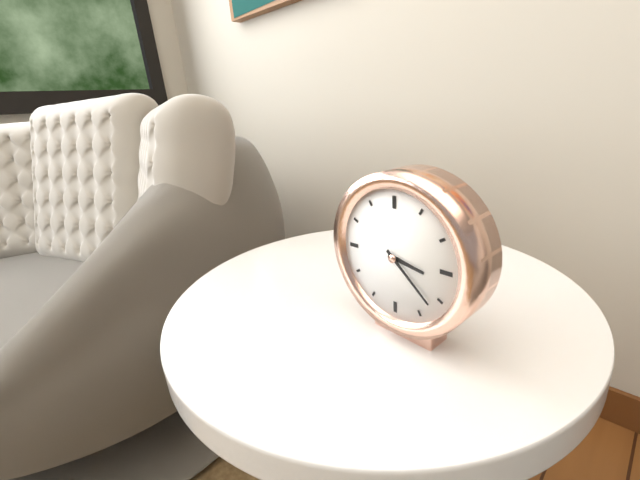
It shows **3:22**
